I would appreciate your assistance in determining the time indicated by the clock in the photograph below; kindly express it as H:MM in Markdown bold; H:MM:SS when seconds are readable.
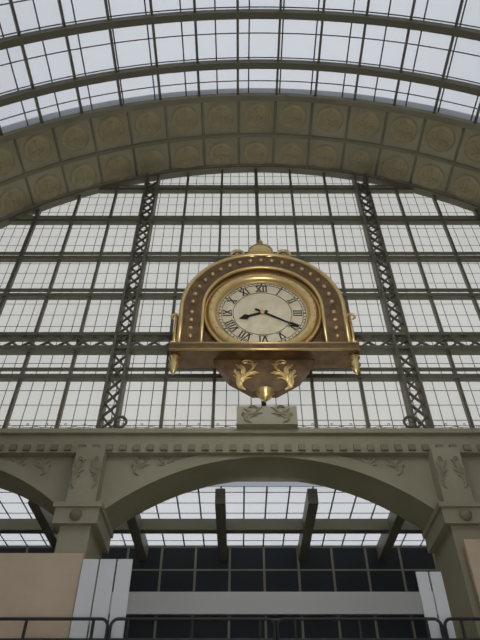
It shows **8:20**
